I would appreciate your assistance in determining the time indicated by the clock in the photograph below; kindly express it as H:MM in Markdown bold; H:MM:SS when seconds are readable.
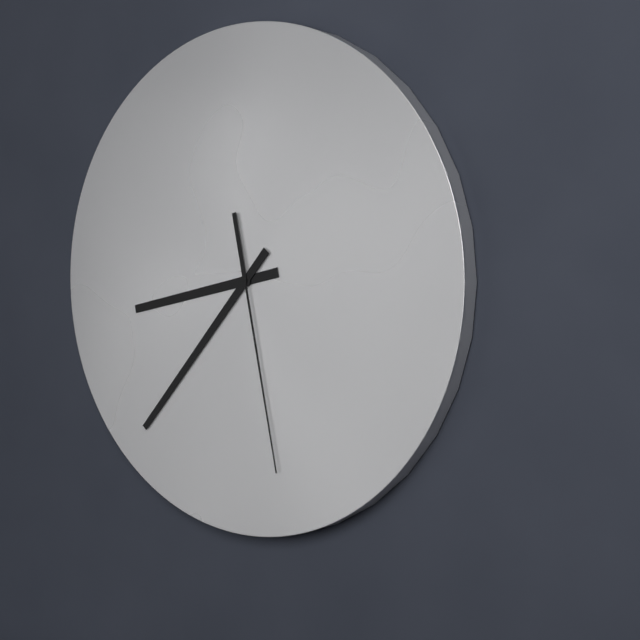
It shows **8:37:28**
